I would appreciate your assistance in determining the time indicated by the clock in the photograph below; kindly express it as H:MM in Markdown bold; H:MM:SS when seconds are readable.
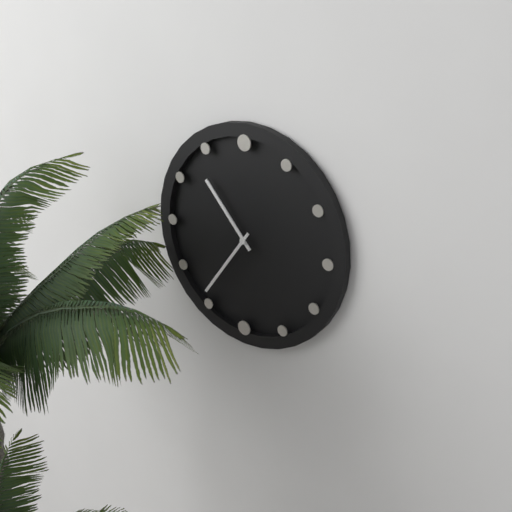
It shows **10:36**
